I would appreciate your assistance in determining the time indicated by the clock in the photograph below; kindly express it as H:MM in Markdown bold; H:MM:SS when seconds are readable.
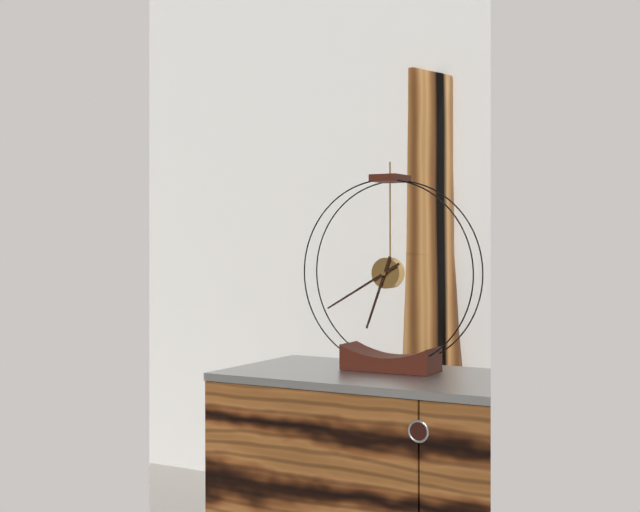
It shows **6:40**
